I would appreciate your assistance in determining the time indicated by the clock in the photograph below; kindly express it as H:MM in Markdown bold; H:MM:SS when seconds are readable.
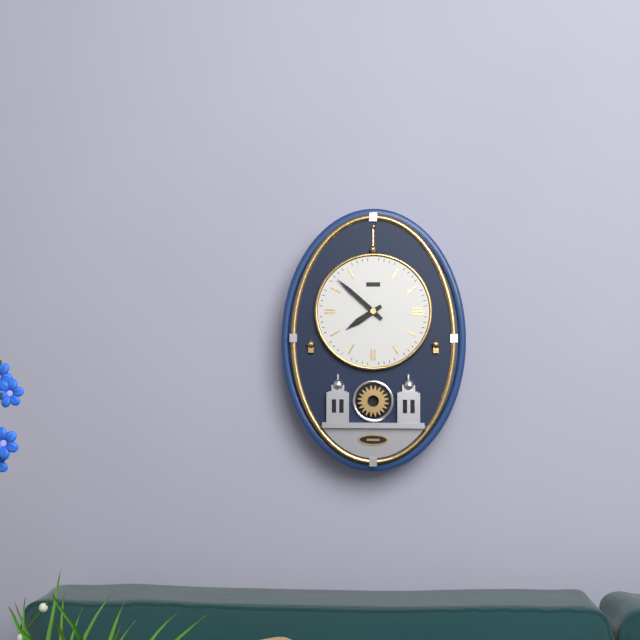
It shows **7:52**
